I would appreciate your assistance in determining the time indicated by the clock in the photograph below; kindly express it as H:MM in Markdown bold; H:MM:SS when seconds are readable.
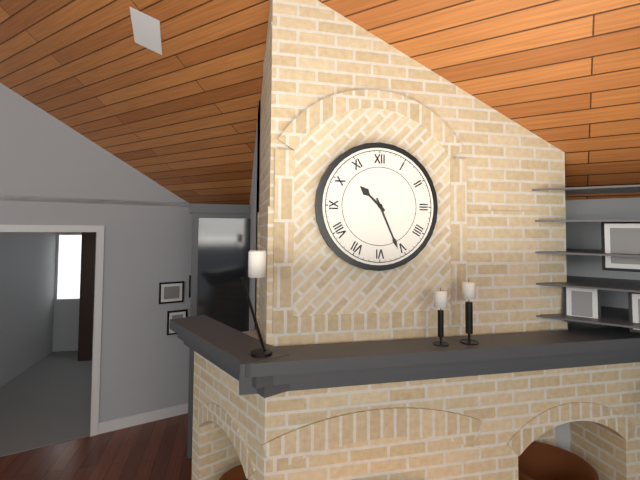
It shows **10:26**
